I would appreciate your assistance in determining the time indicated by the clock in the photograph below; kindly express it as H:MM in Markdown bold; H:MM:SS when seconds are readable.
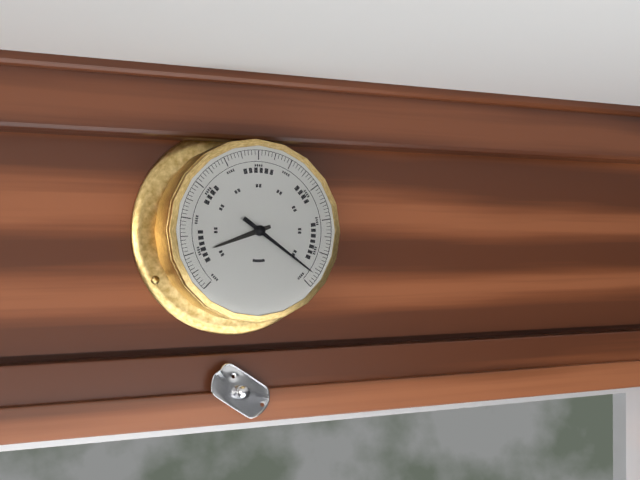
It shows **8:21**
